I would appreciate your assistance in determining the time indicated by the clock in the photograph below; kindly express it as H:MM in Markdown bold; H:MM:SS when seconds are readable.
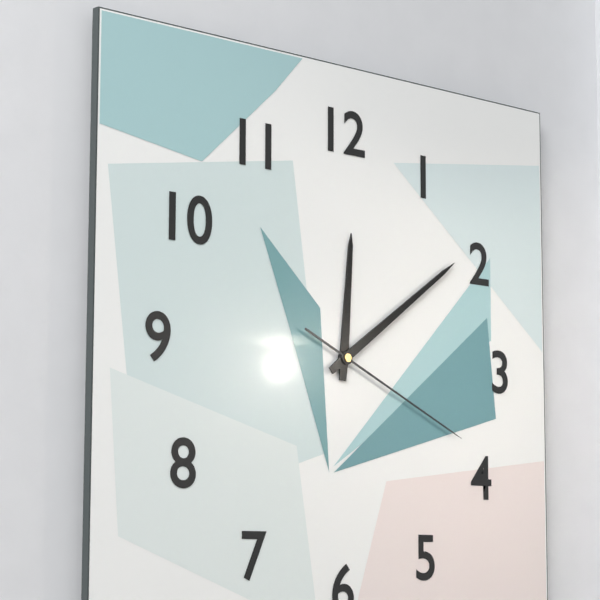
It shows **12:09:19**
